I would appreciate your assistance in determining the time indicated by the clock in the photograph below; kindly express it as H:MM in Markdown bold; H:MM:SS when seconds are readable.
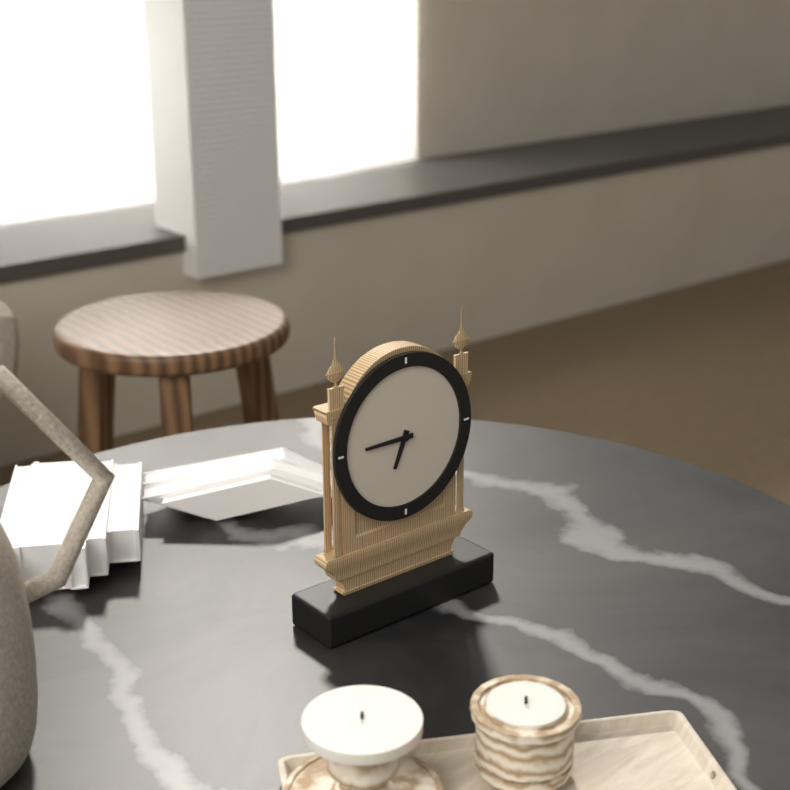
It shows **6:45**
